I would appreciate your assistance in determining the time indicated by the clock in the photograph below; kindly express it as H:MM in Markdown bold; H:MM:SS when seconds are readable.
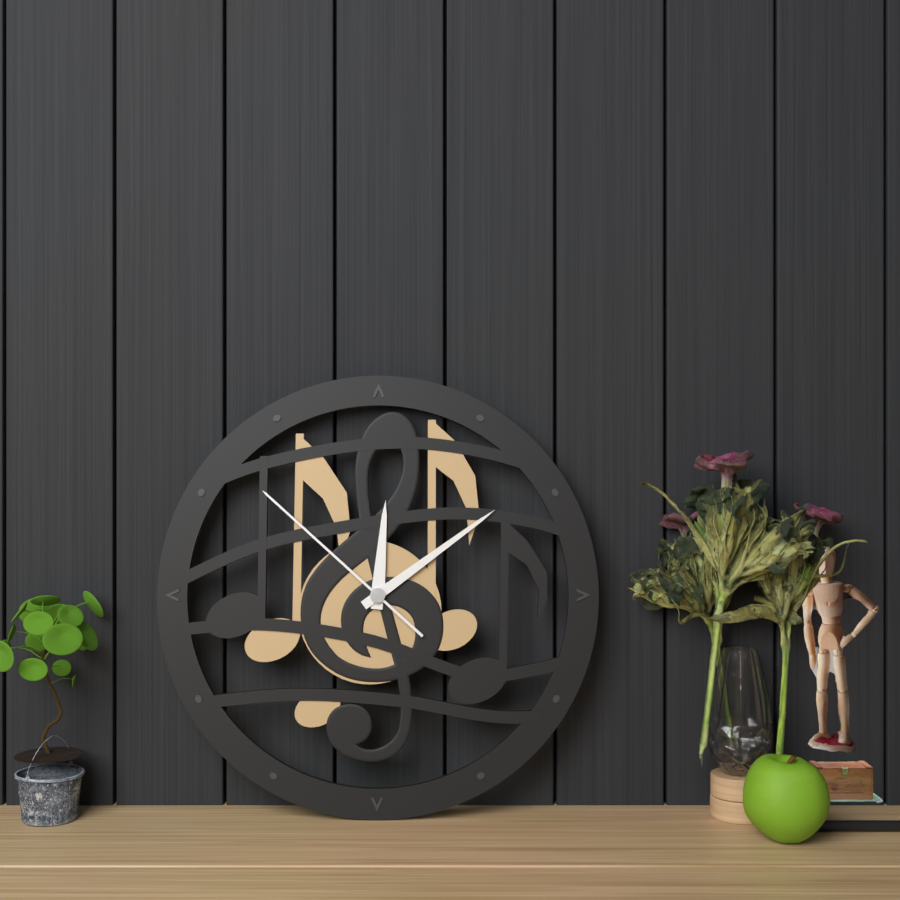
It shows **12:09:52**
